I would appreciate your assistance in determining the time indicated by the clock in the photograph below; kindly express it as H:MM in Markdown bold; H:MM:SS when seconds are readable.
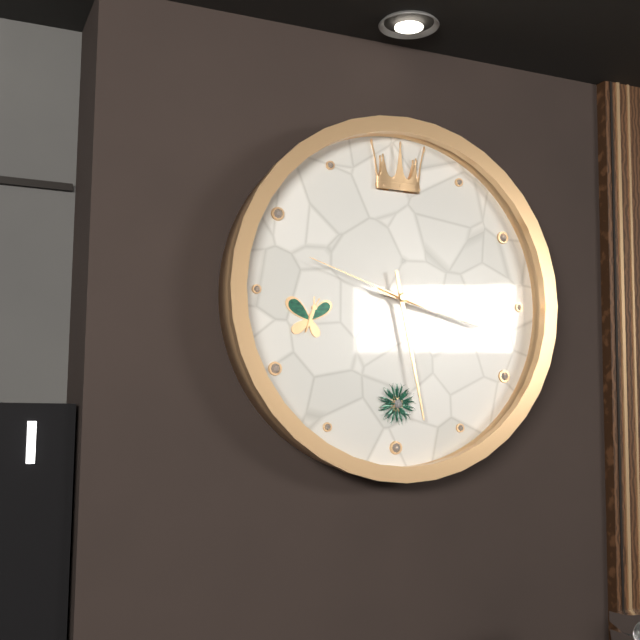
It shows **3:28:48**
